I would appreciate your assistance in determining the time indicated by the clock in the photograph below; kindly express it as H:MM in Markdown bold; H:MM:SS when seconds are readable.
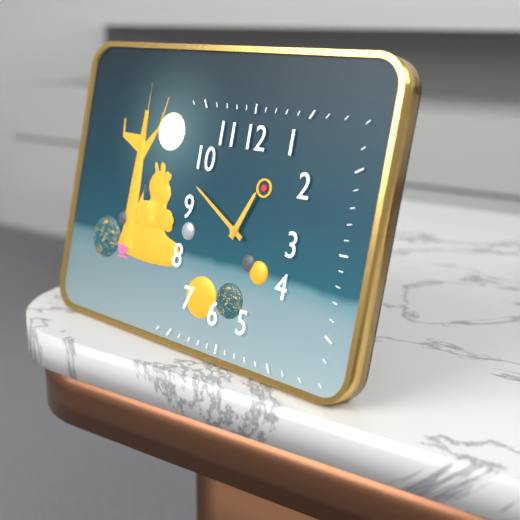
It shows **12:50**
